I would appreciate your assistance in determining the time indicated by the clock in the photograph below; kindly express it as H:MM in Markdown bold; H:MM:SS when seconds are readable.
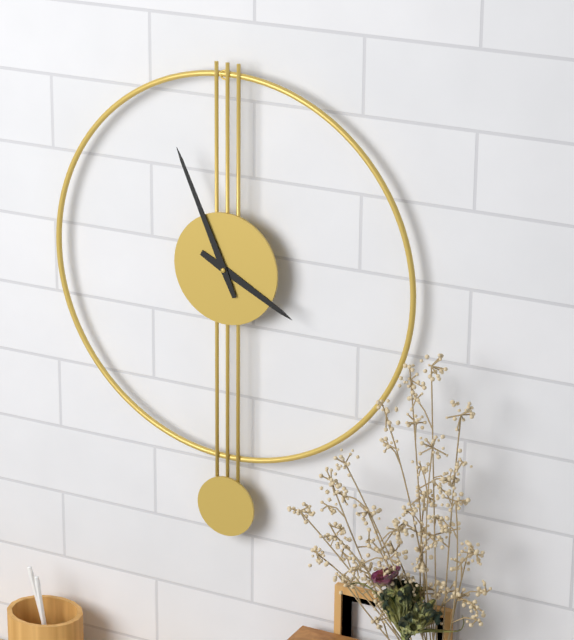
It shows **3:56**
